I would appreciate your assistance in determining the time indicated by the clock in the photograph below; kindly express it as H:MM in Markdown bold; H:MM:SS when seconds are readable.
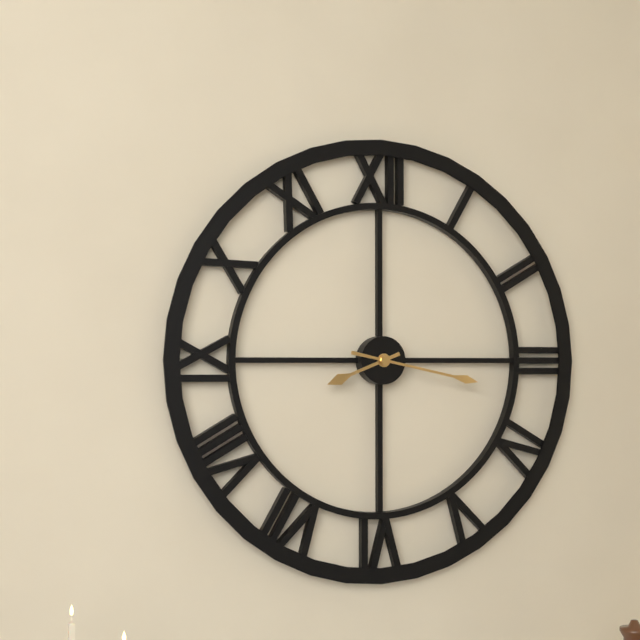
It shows **8:17**
